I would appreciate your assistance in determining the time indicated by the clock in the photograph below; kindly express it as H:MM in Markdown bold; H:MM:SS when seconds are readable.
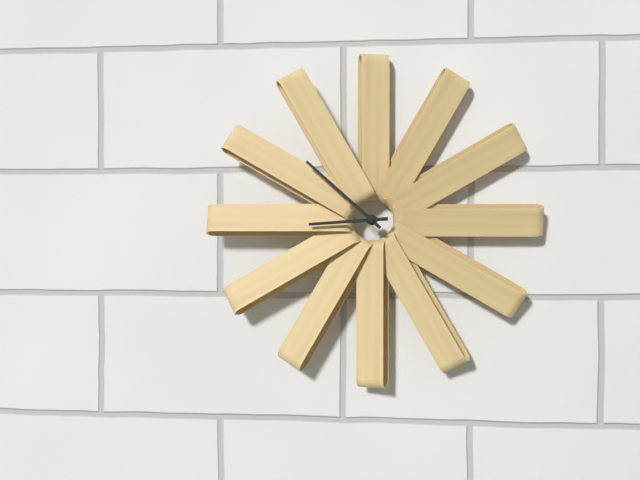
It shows **8:52**
